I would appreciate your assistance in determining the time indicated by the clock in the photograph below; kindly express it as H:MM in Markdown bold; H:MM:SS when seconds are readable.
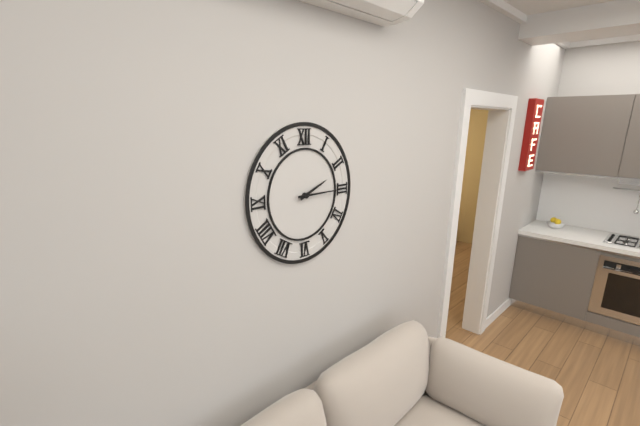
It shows **2:15**
